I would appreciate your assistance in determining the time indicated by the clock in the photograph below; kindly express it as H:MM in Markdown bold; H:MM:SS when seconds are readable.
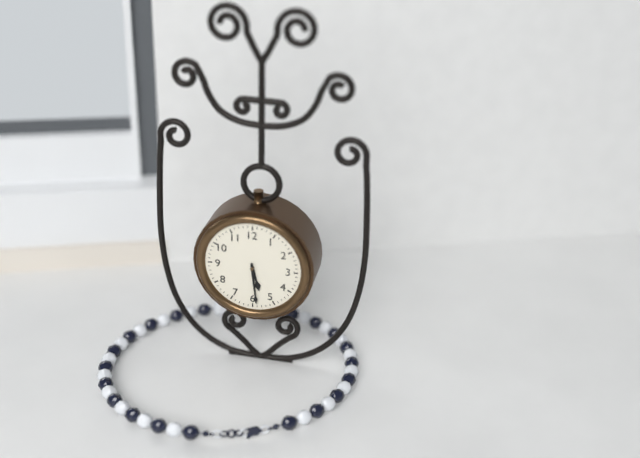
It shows **5:29**
